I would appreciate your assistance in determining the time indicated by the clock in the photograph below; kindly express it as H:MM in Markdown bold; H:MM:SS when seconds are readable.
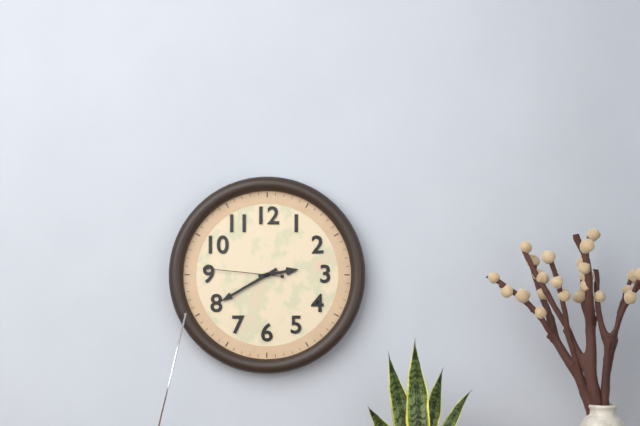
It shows **2:40:46**
